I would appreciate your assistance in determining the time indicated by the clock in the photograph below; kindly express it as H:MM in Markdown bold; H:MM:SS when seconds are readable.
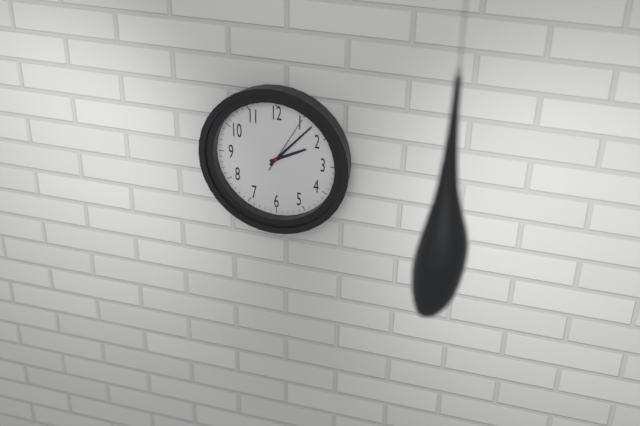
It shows **2:07:05**
